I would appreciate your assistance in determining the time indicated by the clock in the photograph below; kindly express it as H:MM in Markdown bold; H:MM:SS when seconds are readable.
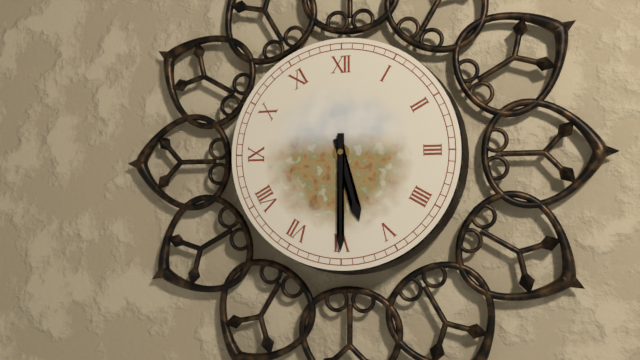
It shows **5:30**
